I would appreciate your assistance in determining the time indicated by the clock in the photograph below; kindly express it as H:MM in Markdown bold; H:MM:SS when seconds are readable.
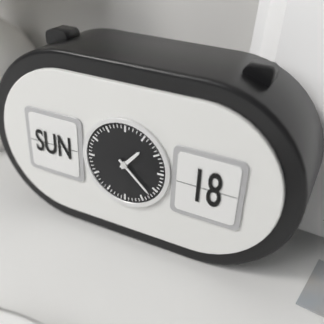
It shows **1:22**
